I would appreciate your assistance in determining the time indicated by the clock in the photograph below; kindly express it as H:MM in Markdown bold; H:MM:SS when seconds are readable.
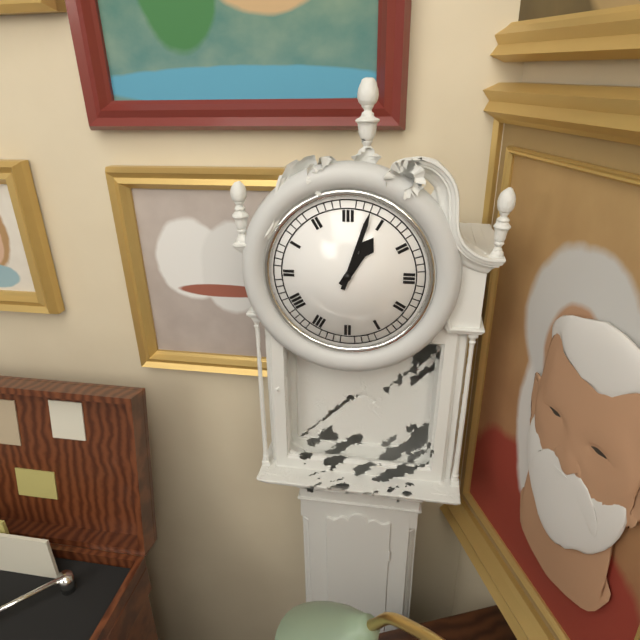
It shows **1:03**
